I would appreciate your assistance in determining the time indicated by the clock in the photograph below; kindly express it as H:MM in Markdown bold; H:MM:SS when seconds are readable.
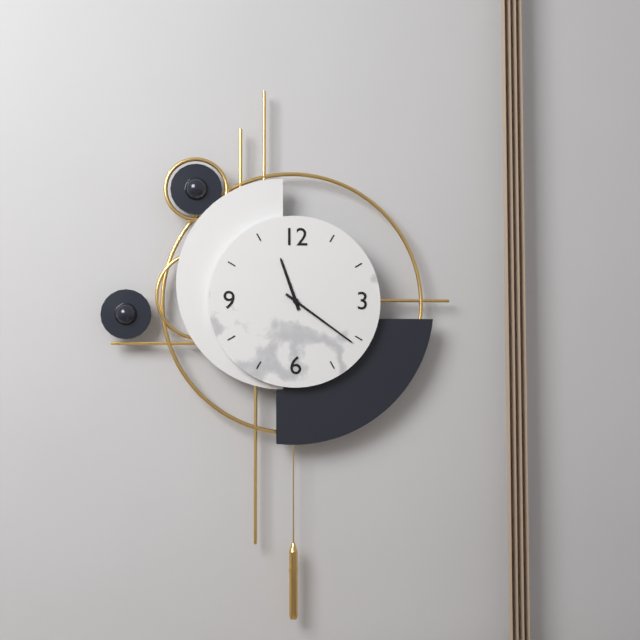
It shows **11:21**
